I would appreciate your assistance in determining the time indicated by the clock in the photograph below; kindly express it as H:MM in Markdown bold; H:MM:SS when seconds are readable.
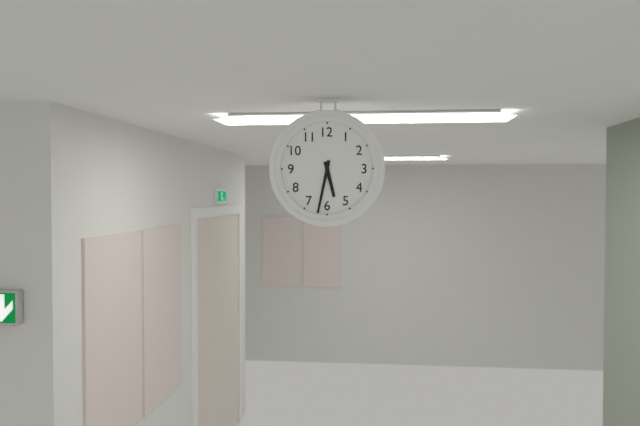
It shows **5:32**
